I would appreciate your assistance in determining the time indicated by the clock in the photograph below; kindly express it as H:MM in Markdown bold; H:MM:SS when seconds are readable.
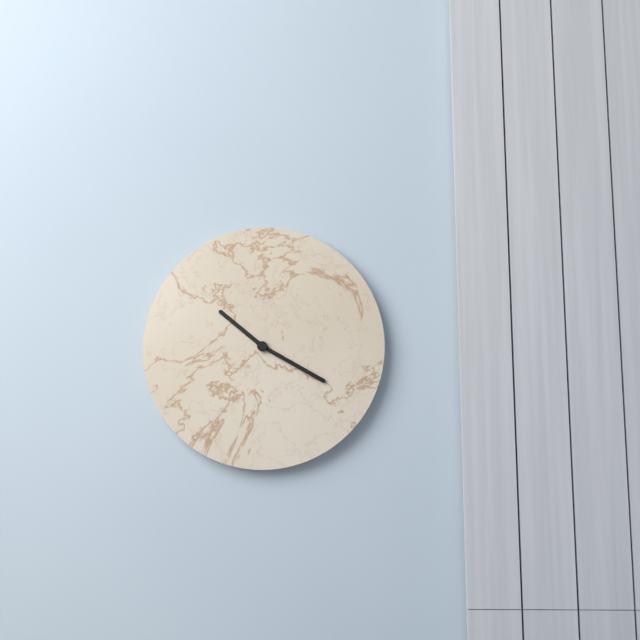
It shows **10:20**
